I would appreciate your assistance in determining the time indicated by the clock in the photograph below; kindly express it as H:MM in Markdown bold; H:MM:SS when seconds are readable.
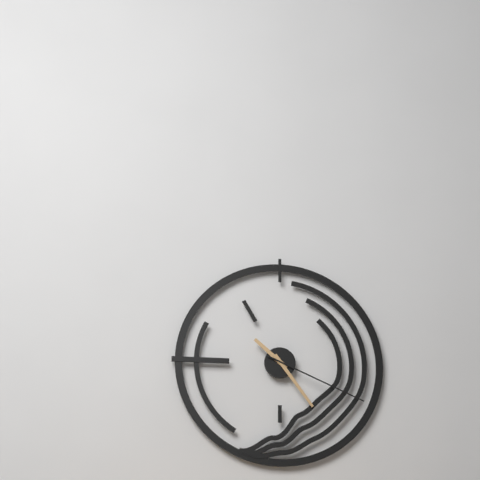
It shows **10:24:19**
